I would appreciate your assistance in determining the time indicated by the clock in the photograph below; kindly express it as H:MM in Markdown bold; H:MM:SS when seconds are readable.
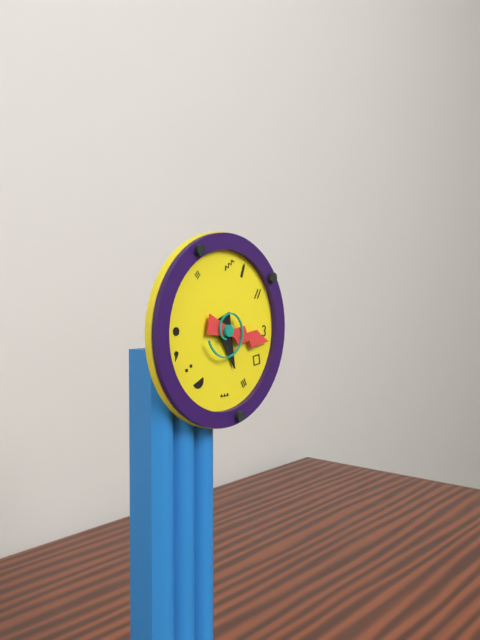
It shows **5:17**
